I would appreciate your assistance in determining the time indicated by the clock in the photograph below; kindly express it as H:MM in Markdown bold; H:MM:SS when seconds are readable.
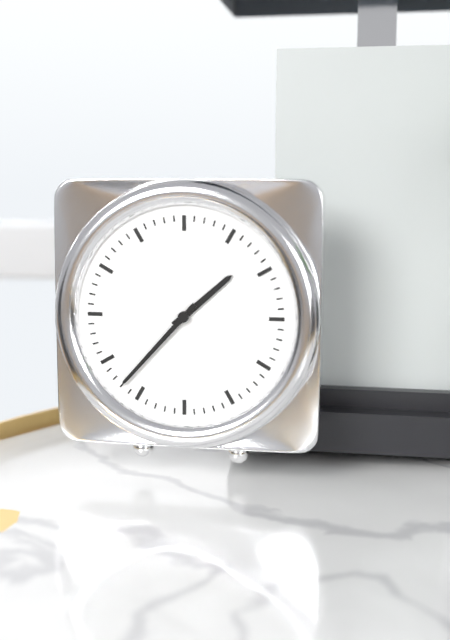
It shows **1:37**
